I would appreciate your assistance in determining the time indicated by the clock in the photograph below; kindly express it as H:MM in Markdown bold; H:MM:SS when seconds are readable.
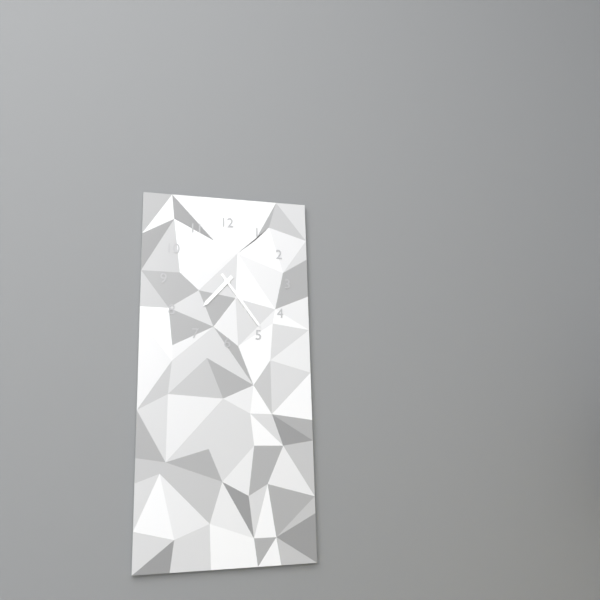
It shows **7:24**
